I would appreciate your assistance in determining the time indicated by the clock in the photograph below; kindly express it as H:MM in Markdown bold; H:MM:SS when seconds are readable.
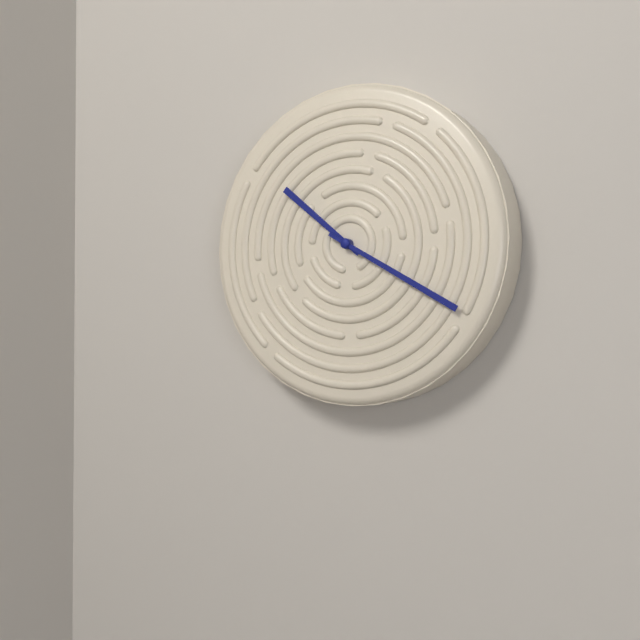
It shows **10:20**
